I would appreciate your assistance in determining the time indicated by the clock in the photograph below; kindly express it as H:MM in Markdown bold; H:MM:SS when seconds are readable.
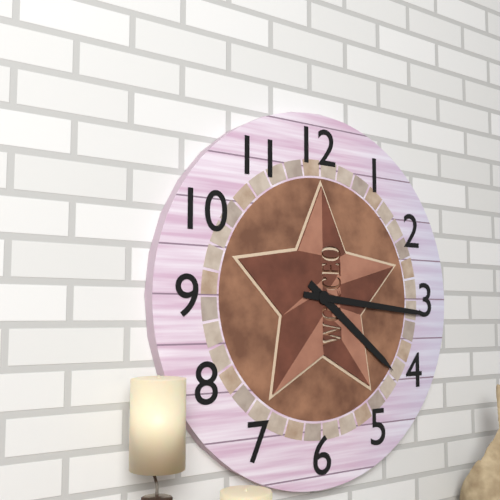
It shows **4:16**
